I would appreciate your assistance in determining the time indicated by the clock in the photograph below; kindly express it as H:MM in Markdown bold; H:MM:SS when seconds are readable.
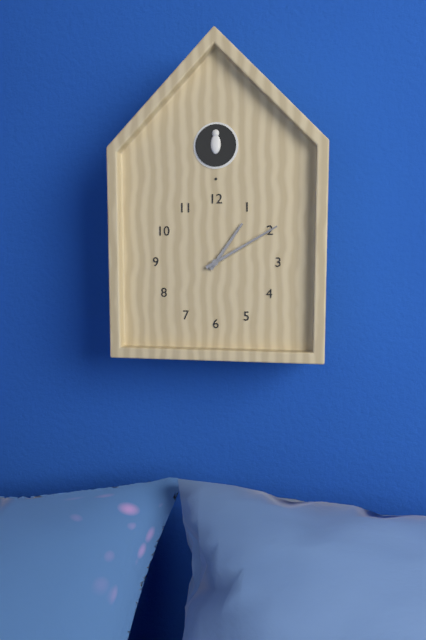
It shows **1:10**
